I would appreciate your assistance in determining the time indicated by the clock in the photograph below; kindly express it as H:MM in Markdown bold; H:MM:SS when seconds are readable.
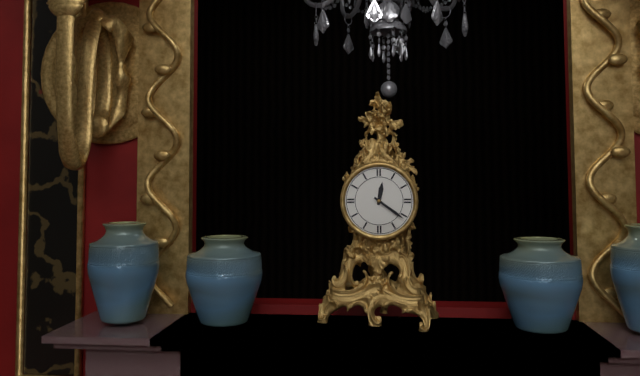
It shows **12:21**
